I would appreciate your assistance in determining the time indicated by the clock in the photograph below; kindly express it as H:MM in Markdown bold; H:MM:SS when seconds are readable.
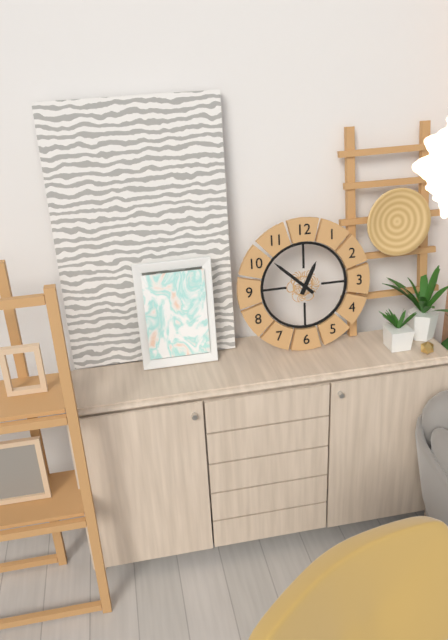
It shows **12:52**
